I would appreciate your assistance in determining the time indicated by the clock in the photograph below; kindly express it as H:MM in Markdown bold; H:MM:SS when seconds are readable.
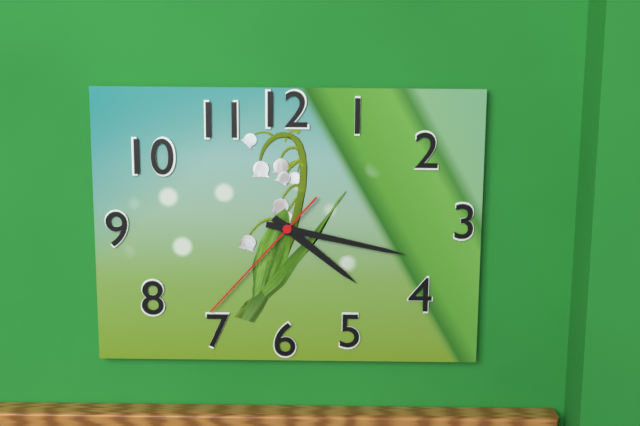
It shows **4:17:37**
